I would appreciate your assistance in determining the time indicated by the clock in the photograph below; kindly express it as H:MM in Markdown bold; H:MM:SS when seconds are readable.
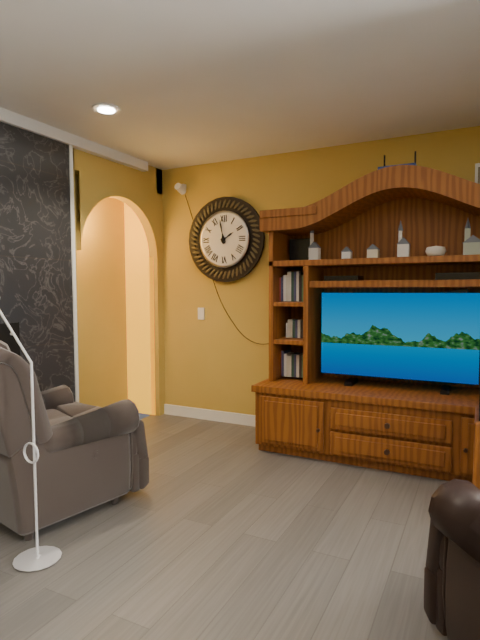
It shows **1:58**
